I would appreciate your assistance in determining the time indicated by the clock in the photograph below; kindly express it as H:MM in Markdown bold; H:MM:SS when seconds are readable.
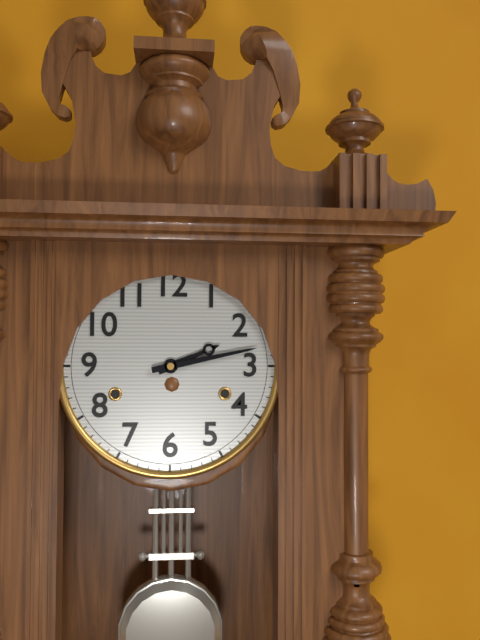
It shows **2:13**
